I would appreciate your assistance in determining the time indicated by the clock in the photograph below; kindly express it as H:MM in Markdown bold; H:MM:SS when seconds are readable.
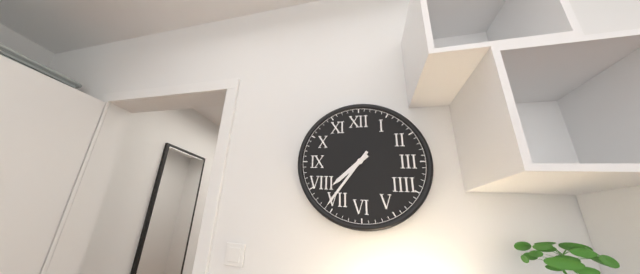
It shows **7:36**
